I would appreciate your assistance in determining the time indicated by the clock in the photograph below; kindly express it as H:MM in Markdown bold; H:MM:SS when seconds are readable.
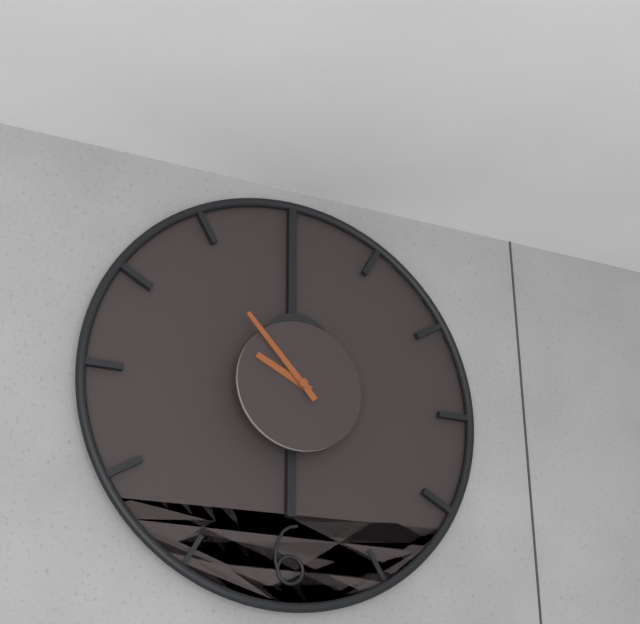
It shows **9:53**
